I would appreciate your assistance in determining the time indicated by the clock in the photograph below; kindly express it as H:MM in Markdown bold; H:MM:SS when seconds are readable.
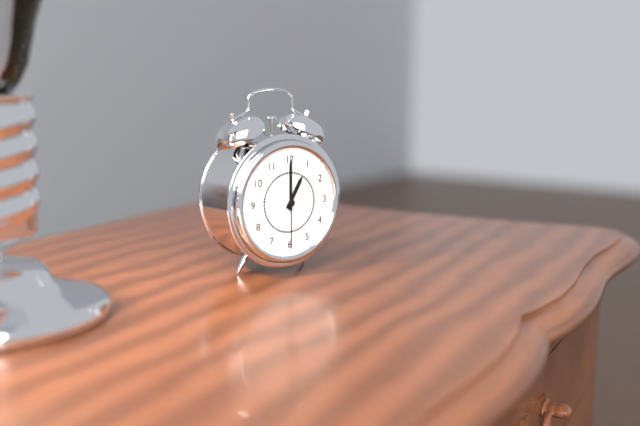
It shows **1:00:30**
